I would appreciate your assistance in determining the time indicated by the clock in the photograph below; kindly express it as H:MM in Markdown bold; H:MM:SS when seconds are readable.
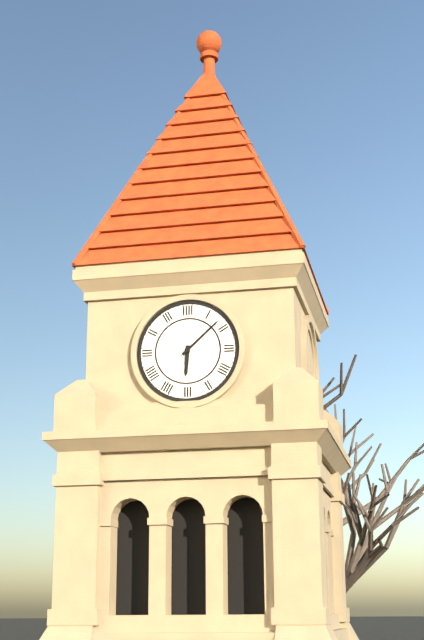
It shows **6:08**
